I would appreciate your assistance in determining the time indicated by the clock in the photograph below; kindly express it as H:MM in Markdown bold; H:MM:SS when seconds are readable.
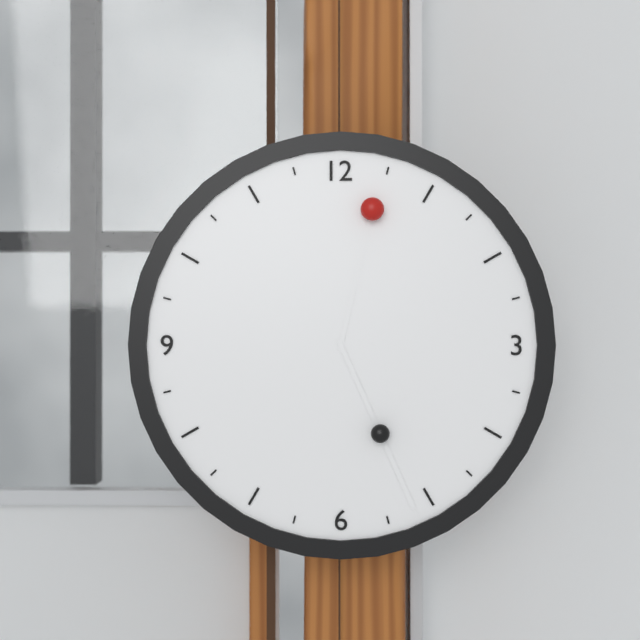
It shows **12:26**
